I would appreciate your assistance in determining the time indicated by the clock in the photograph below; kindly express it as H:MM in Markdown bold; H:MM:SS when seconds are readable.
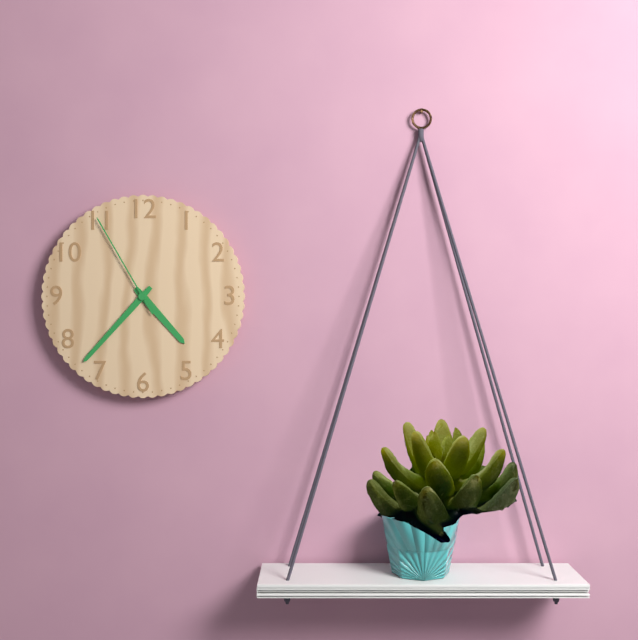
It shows **4:37:55**
